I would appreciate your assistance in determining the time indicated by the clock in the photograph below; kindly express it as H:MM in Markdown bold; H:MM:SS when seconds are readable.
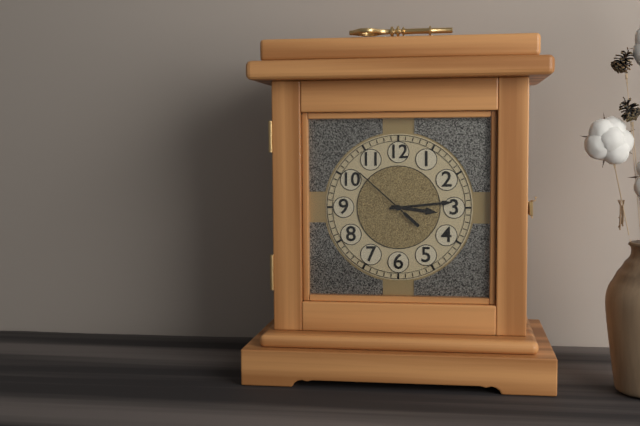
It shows **3:14:52**
